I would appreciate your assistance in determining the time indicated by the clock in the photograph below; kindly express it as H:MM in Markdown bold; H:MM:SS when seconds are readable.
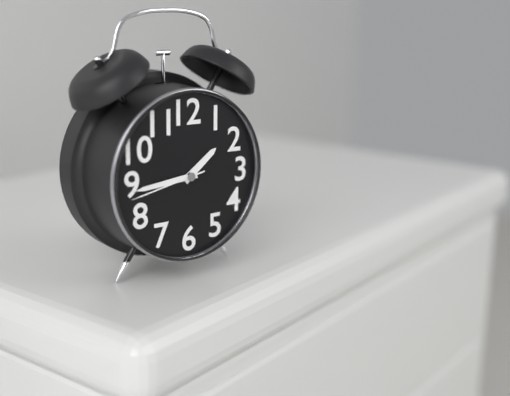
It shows **1:44:43**
